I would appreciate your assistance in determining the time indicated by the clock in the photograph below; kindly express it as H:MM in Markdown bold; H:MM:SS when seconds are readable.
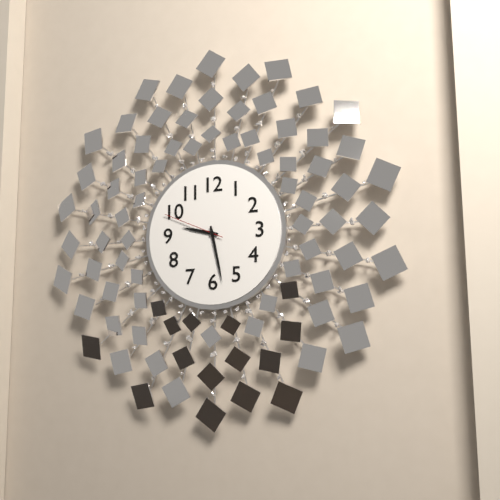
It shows **9:28:49**
